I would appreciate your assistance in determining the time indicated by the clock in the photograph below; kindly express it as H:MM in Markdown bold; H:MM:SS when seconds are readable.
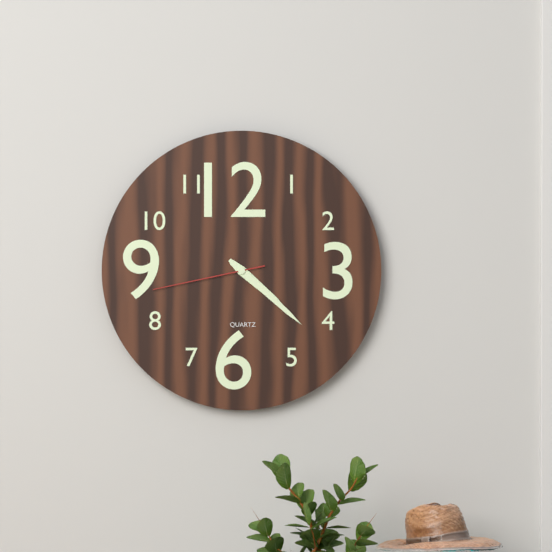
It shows **4:22:43**
